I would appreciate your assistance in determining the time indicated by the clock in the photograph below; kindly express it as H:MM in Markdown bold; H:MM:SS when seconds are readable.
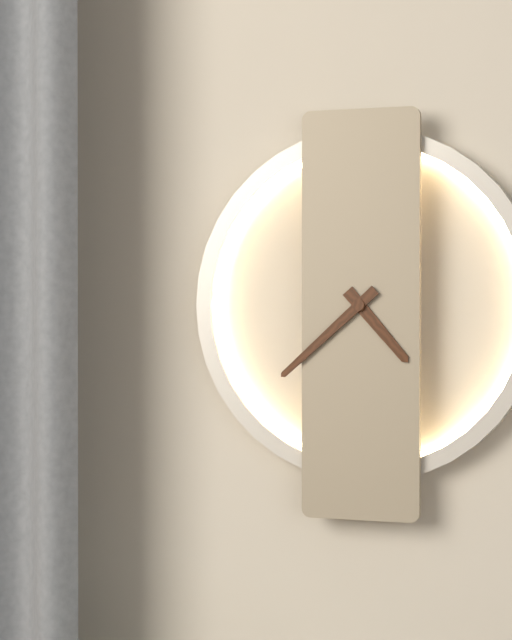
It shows **4:38**
